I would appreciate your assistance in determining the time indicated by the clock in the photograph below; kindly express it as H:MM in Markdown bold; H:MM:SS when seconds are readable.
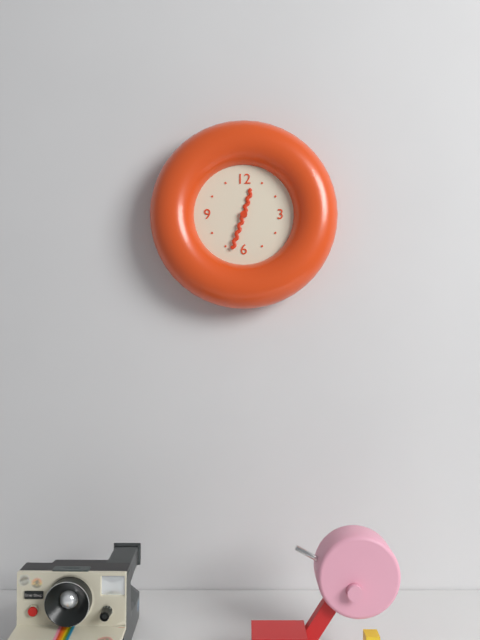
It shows **12:33**
